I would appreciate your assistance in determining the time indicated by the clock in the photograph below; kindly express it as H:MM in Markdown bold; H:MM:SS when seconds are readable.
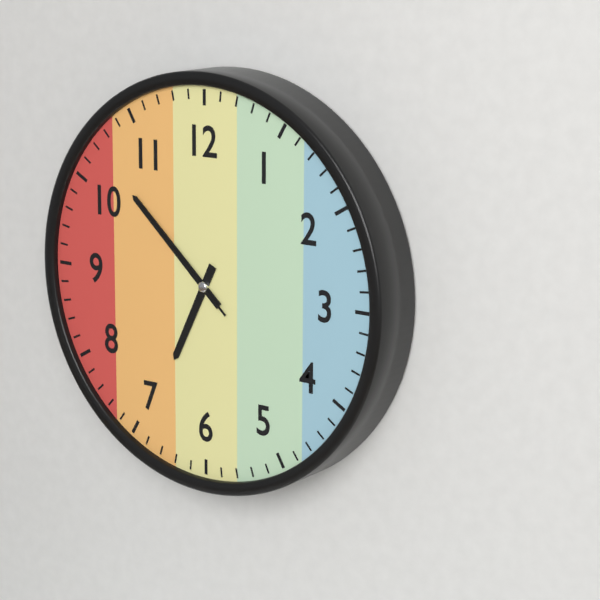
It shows **6:52:52**
